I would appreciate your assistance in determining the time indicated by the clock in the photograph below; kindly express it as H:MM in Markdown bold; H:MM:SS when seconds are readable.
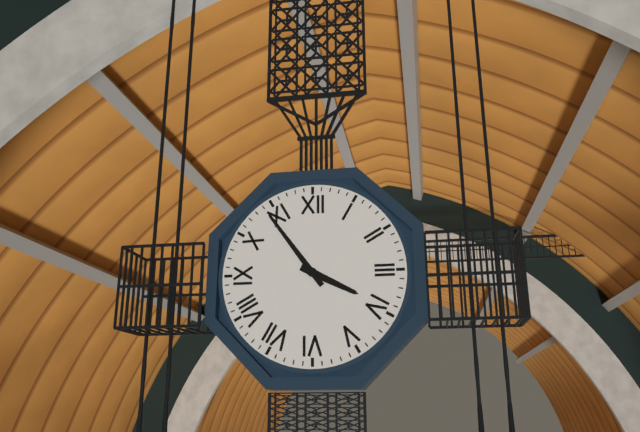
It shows **3:54**
